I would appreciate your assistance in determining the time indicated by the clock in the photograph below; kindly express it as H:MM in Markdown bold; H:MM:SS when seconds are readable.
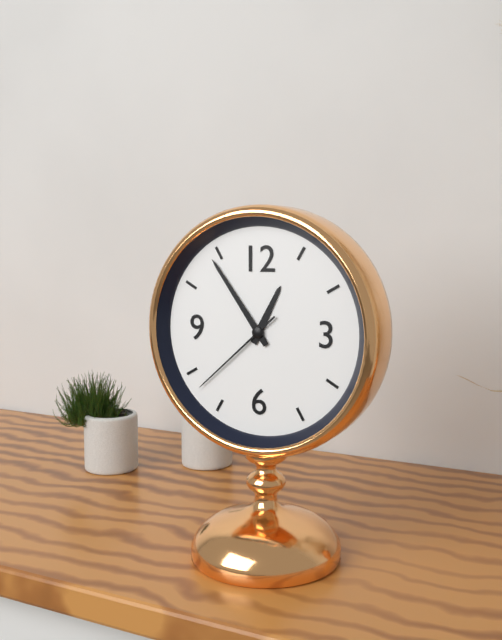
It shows **12:54:38**
